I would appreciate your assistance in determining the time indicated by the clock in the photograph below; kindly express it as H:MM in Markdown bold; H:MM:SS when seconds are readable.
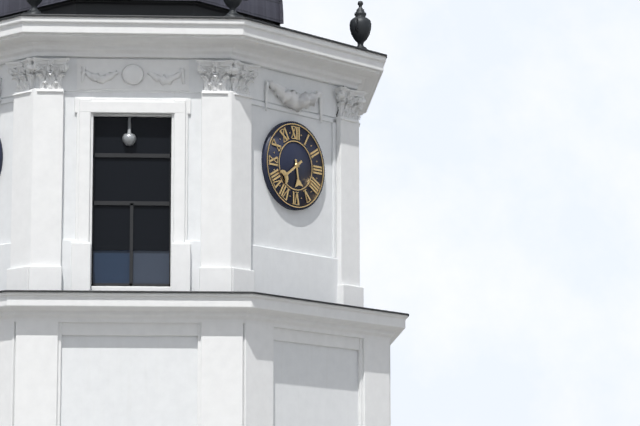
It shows **5:39**
